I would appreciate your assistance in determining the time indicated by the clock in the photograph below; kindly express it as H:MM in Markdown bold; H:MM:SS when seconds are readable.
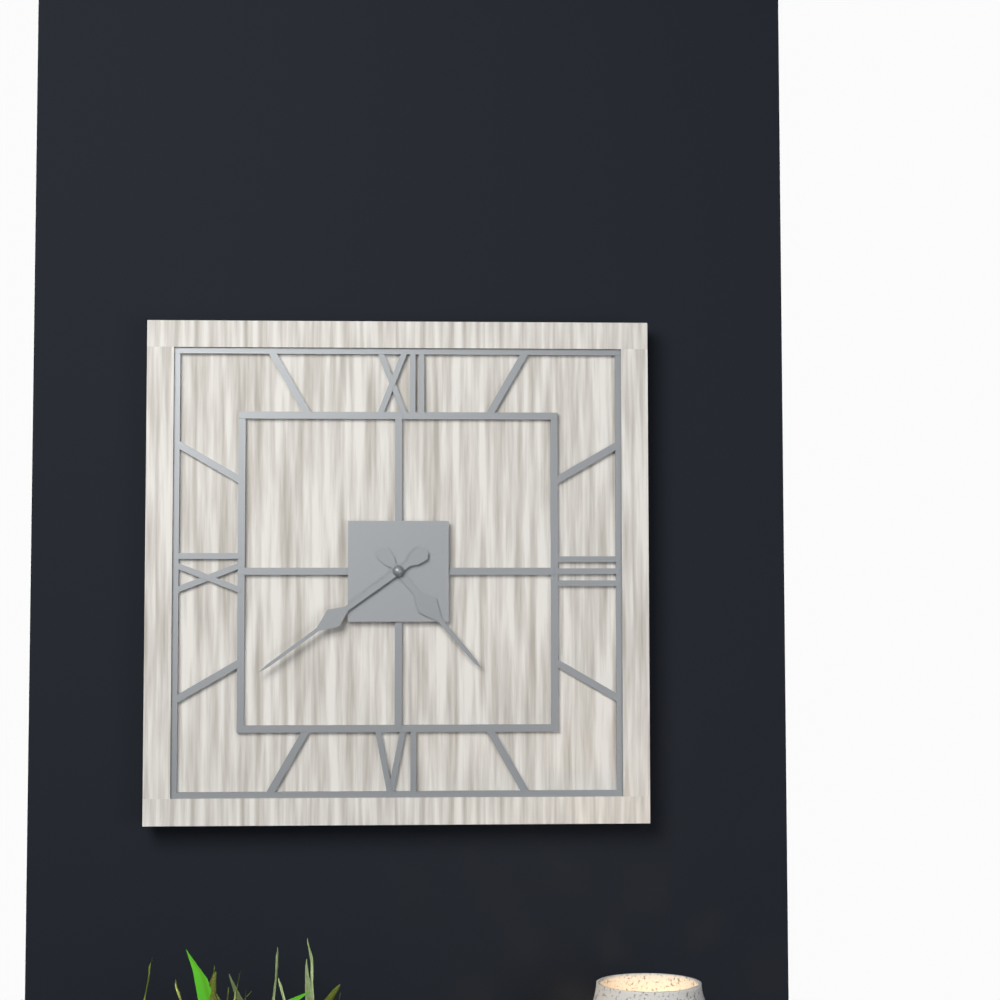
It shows **4:39**
